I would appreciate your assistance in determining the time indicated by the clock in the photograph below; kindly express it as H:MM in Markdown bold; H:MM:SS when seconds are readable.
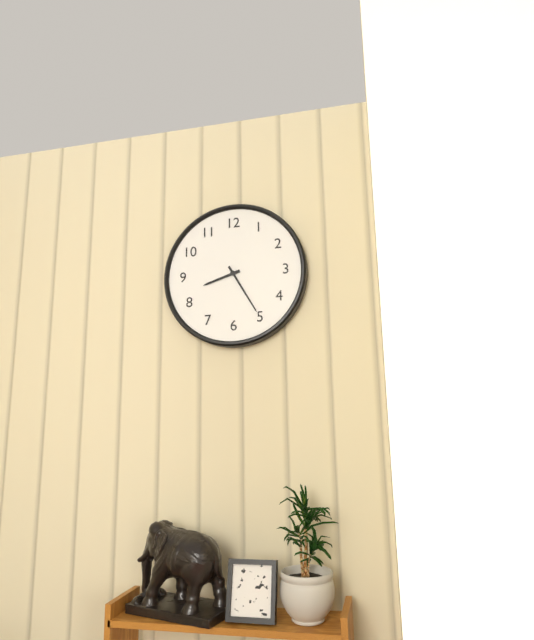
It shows **8:25**
